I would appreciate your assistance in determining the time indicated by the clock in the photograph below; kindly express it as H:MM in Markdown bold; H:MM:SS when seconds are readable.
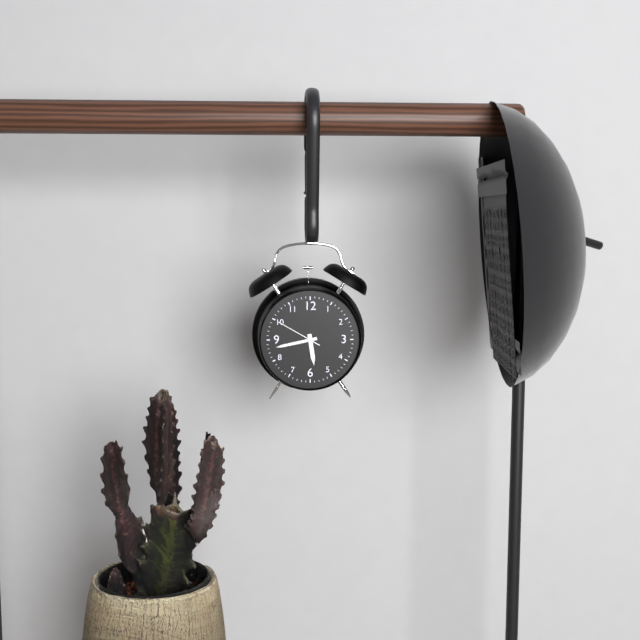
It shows **5:43**
